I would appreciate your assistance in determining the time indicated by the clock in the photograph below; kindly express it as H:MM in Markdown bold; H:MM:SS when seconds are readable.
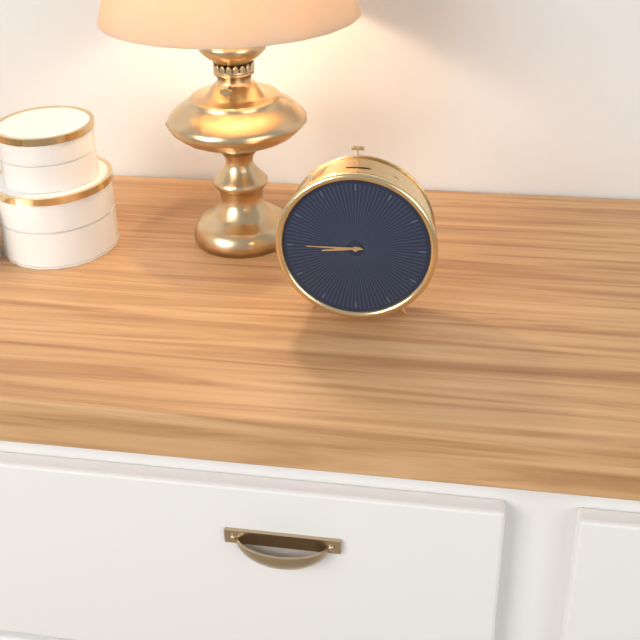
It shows **8:45**
